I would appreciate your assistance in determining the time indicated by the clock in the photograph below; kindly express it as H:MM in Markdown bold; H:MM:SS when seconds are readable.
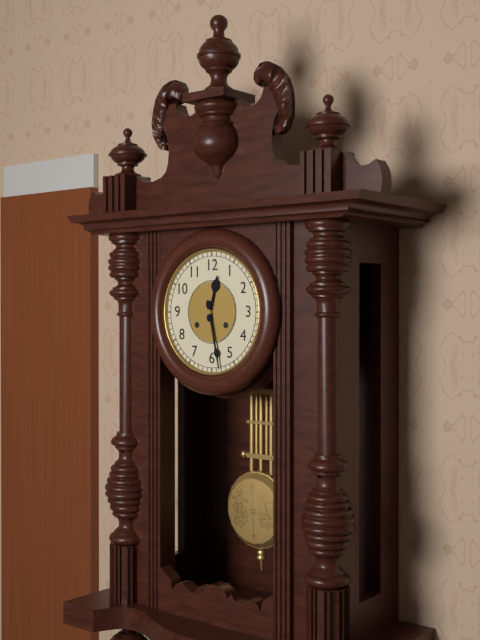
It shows **12:28**
